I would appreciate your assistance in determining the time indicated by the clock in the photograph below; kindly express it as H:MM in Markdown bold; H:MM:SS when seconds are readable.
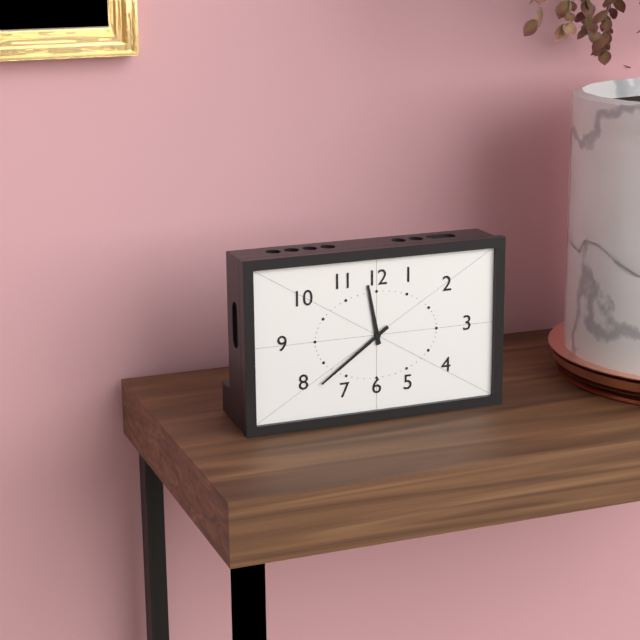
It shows **11:39**
